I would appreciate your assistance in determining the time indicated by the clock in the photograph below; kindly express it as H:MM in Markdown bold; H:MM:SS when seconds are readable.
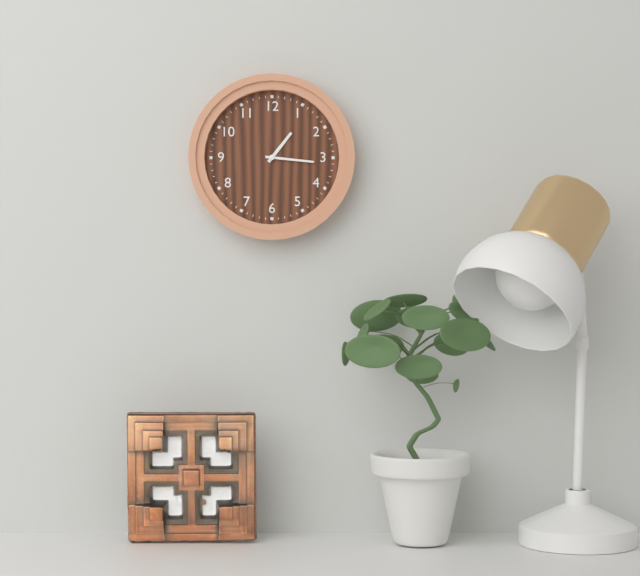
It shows **1:16**
